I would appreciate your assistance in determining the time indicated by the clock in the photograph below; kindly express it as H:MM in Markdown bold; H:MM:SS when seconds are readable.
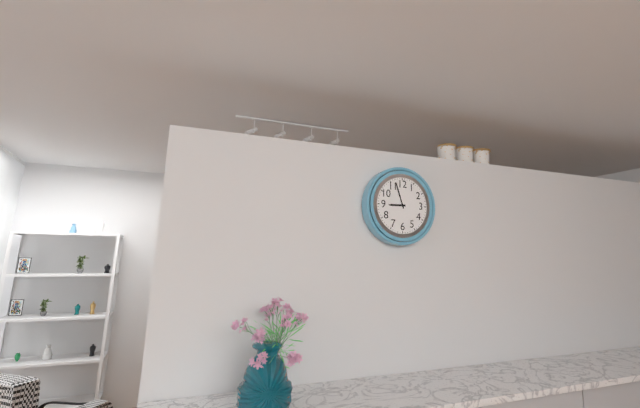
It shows **8:57**
